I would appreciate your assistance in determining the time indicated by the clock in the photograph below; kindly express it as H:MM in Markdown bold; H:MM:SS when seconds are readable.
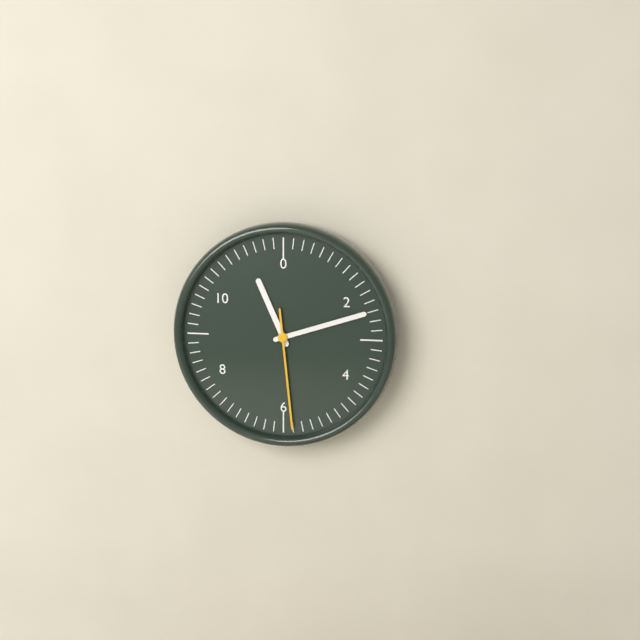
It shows **11:12:29**
